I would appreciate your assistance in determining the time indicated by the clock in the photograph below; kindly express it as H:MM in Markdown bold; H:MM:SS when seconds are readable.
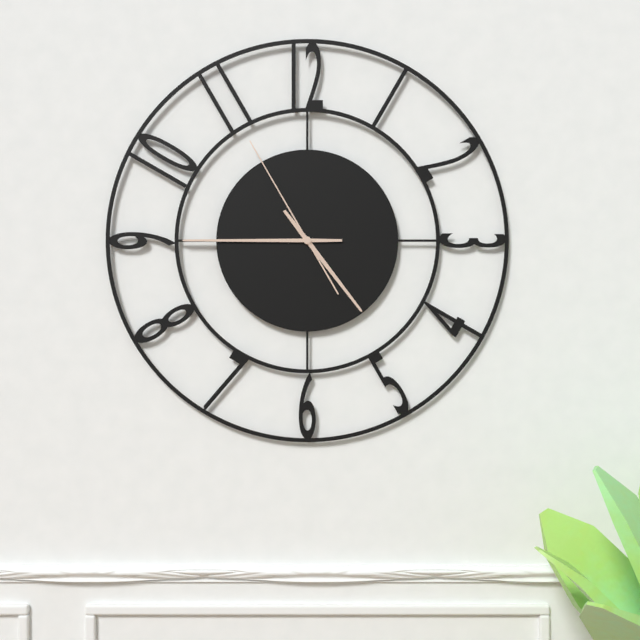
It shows **4:45:55**
